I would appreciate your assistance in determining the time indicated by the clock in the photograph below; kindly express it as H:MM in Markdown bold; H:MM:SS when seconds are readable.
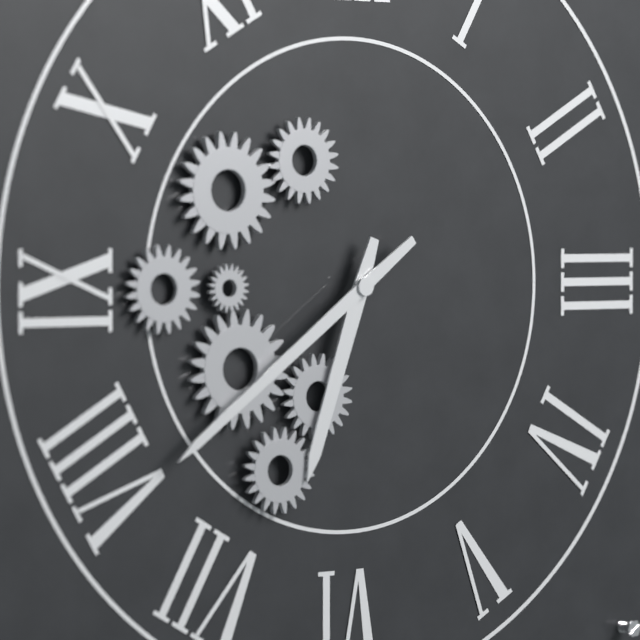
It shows **6:39**
